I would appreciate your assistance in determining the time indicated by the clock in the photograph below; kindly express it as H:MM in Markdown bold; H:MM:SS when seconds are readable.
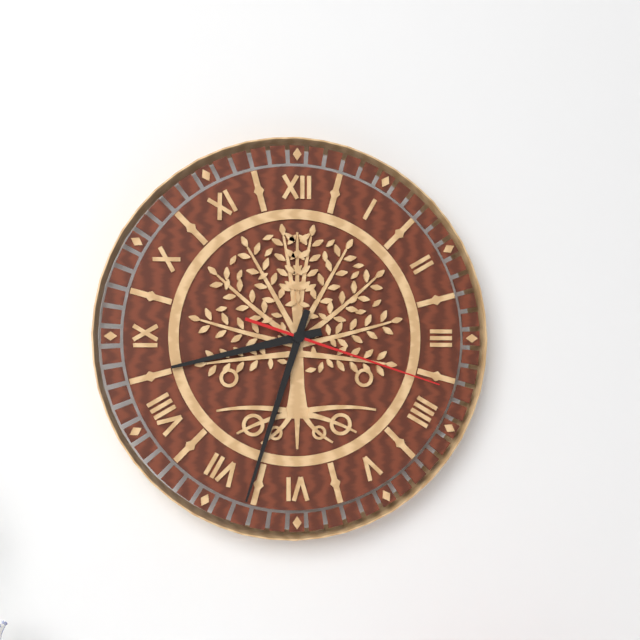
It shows **8:33:18**
